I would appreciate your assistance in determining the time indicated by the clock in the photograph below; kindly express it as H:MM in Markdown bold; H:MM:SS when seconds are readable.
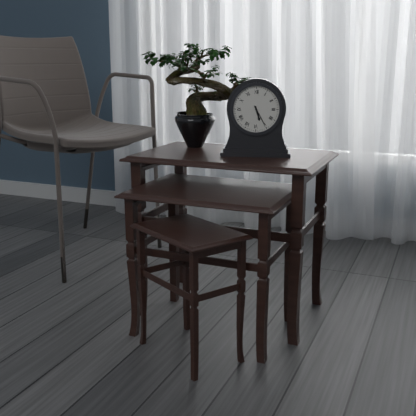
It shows **5:25**
